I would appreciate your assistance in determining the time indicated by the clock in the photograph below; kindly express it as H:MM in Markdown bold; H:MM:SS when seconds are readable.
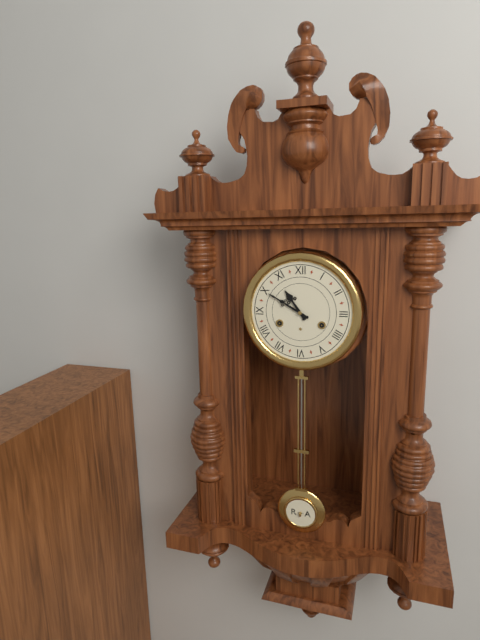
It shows **10:50**
